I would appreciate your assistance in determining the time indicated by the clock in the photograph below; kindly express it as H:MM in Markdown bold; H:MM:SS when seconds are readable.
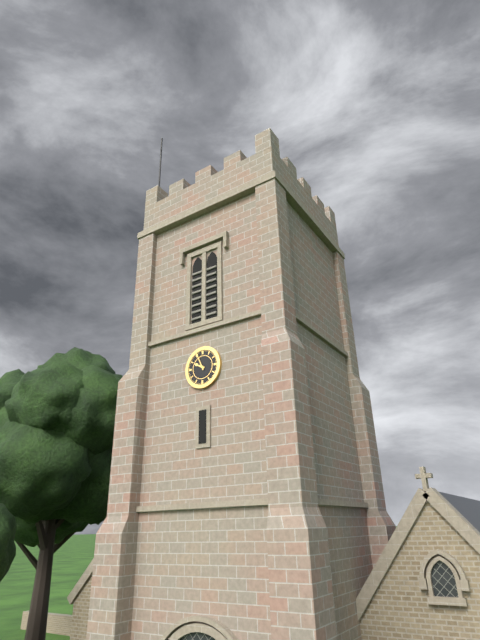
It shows **9:56**
